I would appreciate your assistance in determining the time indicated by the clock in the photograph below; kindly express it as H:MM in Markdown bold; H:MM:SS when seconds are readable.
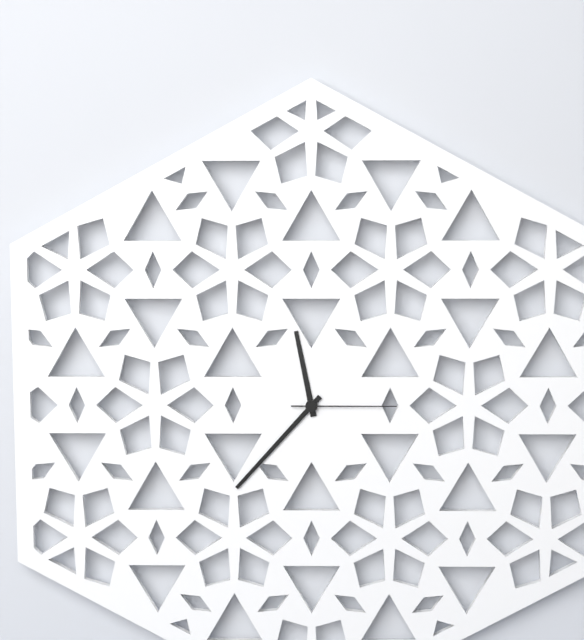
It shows **11:37:15**
